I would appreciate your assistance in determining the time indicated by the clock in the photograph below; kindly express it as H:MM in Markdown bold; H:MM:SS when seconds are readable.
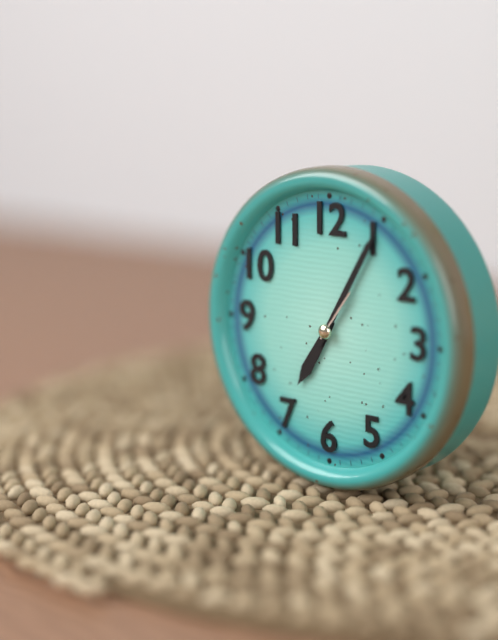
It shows **7:05:06**
